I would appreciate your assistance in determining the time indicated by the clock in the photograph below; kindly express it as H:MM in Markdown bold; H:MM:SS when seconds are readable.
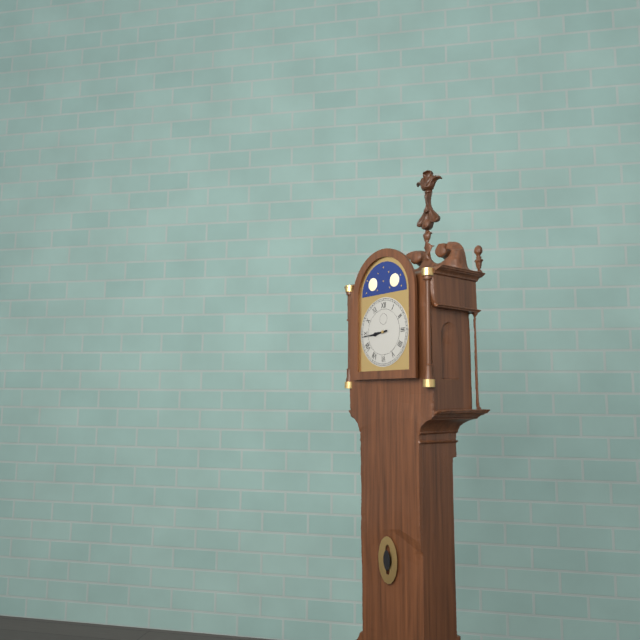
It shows **8:44**
